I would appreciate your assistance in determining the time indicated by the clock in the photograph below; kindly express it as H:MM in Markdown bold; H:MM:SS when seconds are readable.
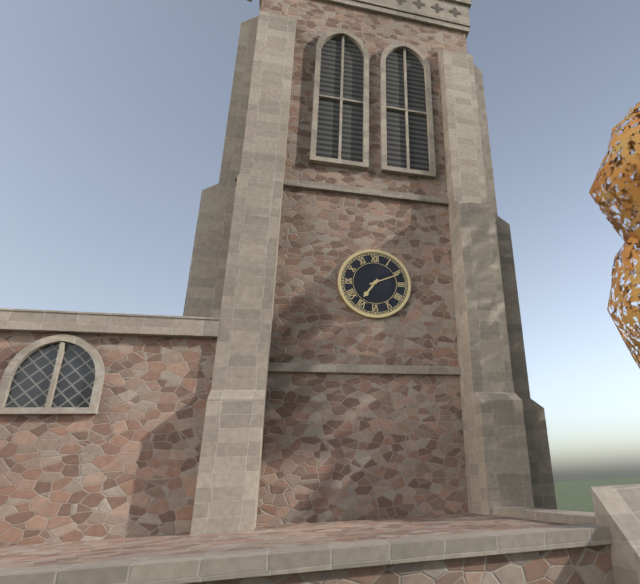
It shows **7:11**
